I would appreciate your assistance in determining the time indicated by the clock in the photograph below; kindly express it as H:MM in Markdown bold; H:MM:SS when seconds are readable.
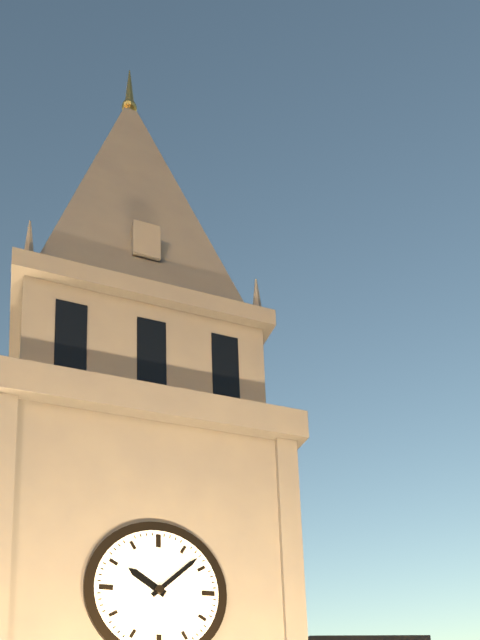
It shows **10:08**
